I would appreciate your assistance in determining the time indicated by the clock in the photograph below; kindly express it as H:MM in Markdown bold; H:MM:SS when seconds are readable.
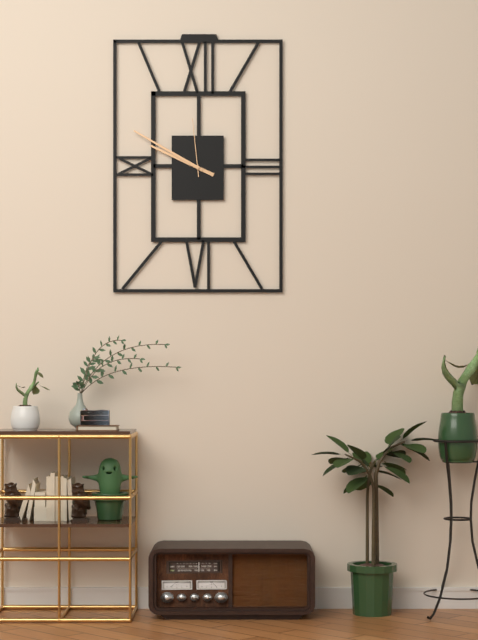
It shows **9:50:59**
